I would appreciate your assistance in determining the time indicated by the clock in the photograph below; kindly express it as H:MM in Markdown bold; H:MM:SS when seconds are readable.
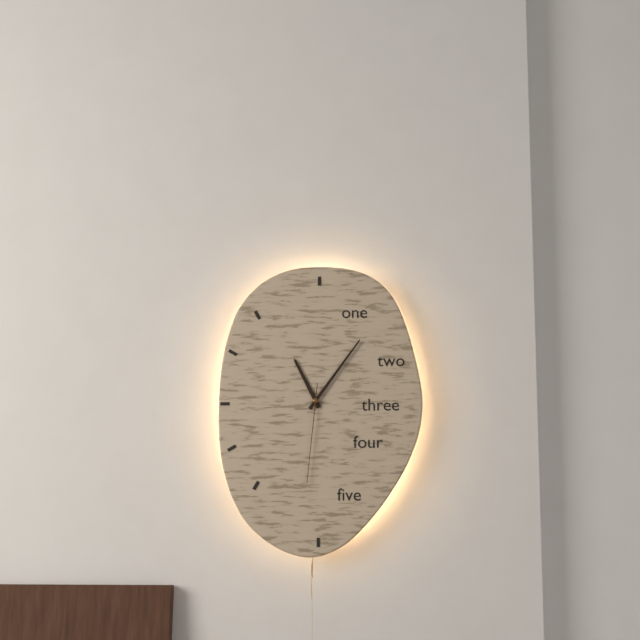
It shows **11:06:31**
